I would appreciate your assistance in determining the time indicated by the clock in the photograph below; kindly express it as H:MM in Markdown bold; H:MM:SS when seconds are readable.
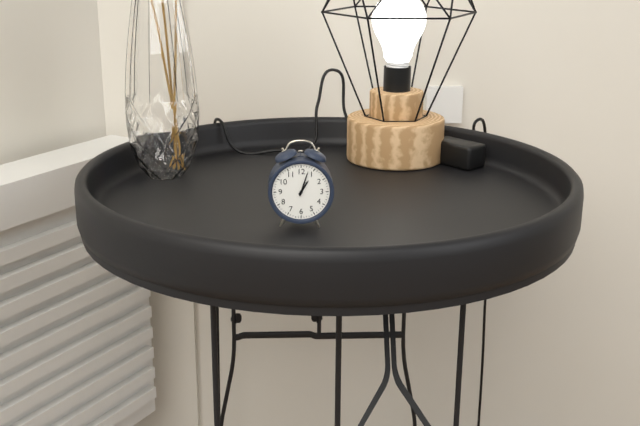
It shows **1:03**
